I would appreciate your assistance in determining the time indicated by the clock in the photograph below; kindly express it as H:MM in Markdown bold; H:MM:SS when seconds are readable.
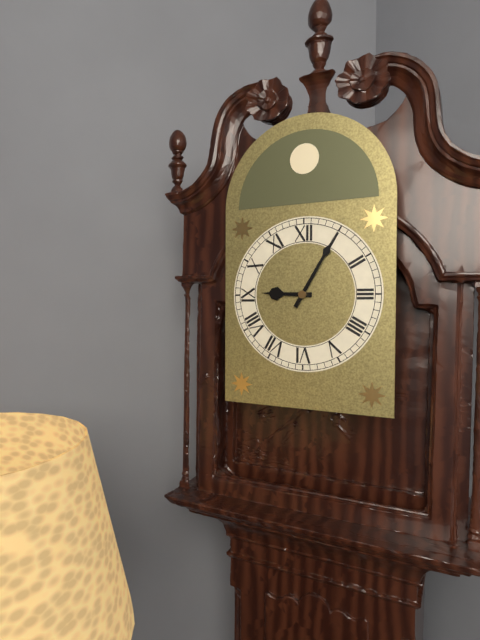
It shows **9:05**
